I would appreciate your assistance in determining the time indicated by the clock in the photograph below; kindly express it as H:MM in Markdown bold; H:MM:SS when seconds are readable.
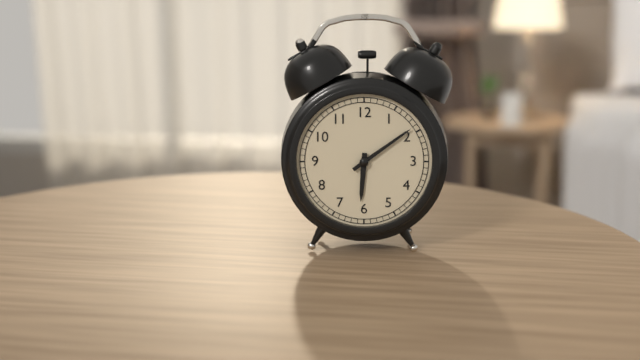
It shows **6:09**
